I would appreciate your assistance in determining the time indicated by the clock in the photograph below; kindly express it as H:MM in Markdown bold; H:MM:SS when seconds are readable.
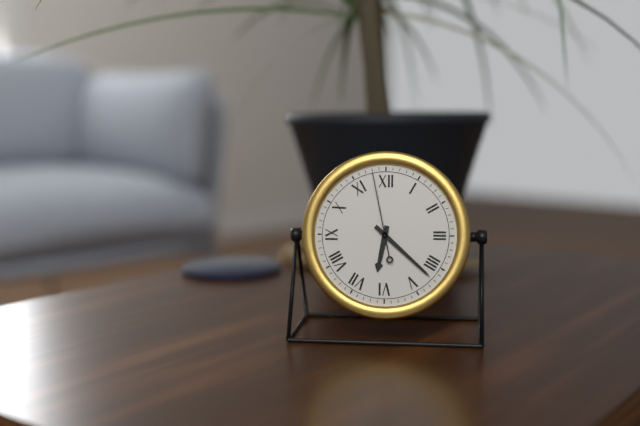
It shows **6:22:58**
